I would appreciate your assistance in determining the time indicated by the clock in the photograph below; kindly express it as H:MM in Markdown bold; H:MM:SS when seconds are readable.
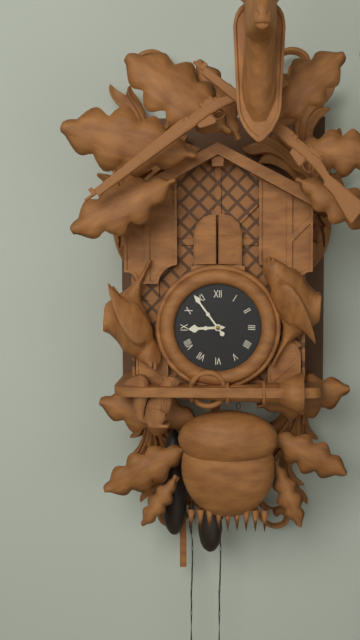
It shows **8:54**
